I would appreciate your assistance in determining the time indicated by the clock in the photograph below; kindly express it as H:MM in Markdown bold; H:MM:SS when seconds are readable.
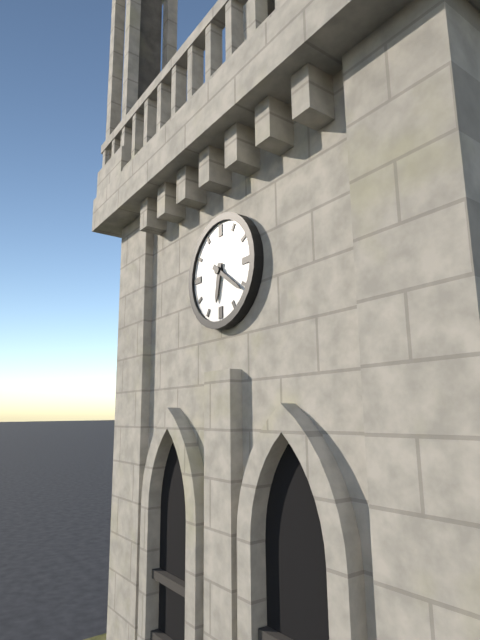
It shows **6:21**
